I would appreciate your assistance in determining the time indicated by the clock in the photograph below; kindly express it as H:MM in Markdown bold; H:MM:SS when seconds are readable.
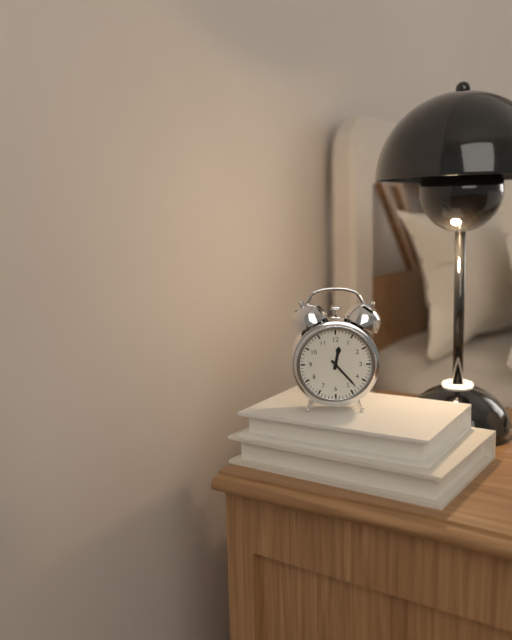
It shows **12:23**
